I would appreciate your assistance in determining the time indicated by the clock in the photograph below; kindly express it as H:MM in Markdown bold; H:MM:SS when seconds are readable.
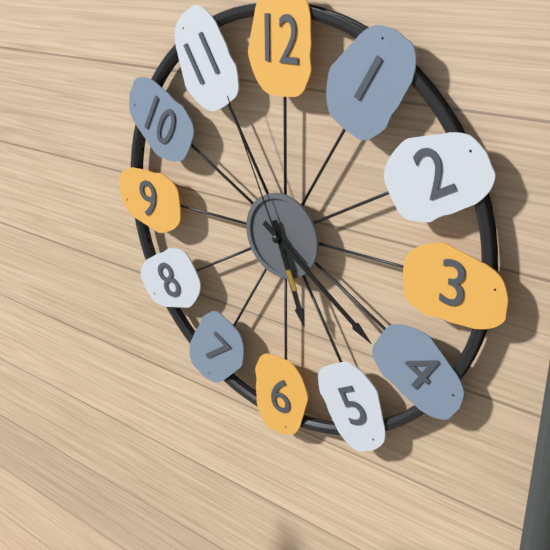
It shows **5:21:56**
